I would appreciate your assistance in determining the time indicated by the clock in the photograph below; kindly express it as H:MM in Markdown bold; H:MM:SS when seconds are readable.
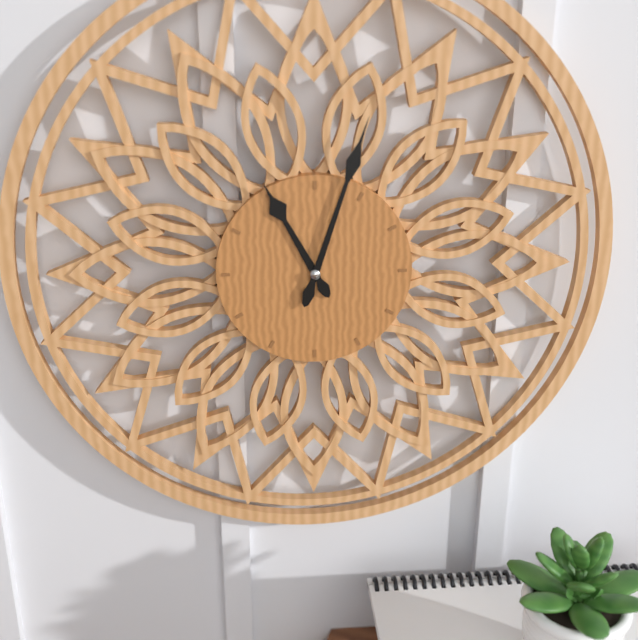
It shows **11:03**
